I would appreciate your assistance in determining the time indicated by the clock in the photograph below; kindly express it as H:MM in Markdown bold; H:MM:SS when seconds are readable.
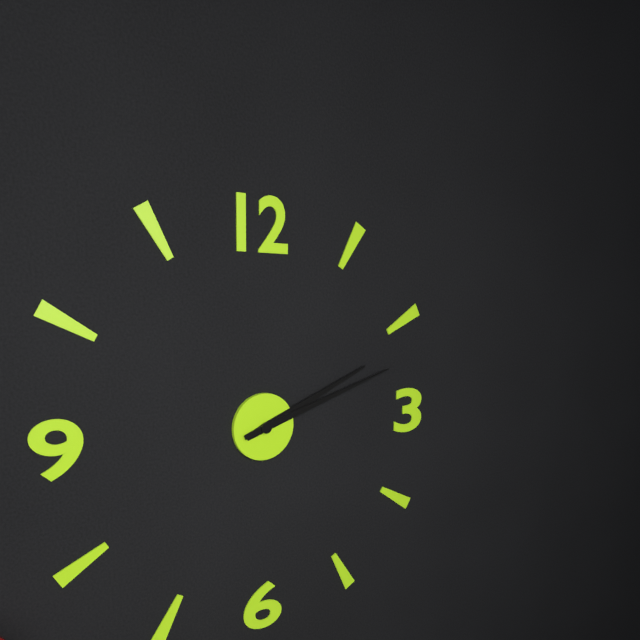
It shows **2:12**
